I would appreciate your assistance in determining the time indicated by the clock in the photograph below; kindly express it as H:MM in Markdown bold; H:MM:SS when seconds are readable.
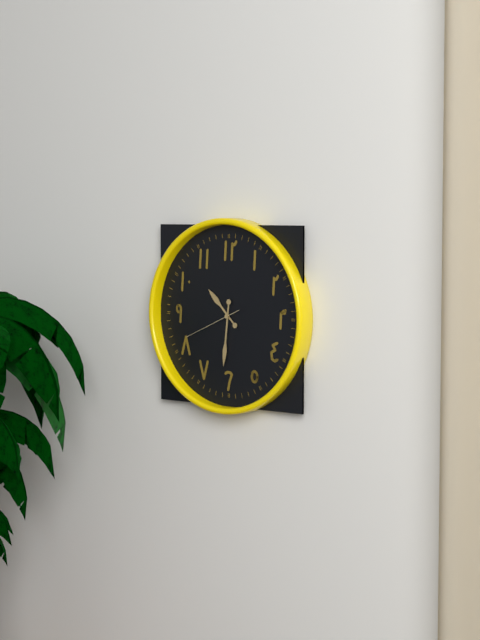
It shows **10:31:41**
